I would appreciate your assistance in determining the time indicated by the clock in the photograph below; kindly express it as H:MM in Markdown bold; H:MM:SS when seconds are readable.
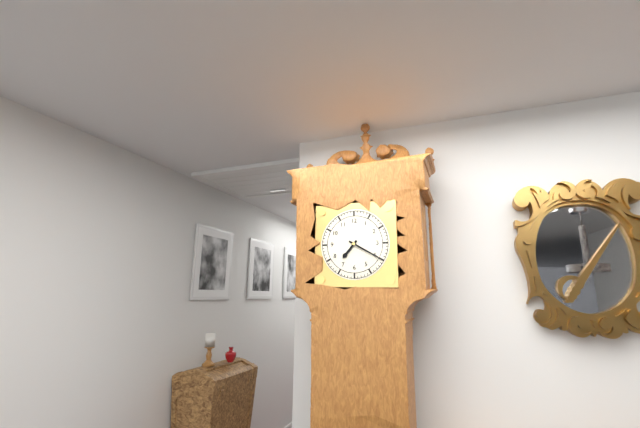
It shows **7:20**
